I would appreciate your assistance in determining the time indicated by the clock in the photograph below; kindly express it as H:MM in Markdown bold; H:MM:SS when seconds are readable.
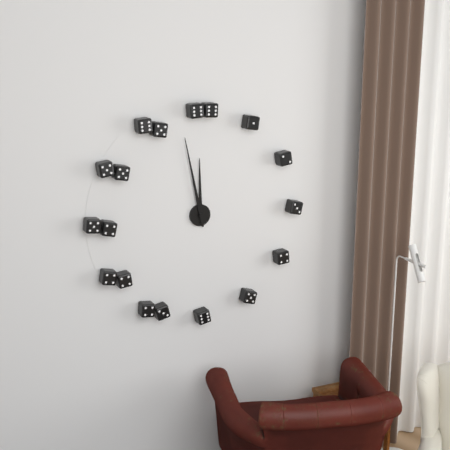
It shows **11:58**
